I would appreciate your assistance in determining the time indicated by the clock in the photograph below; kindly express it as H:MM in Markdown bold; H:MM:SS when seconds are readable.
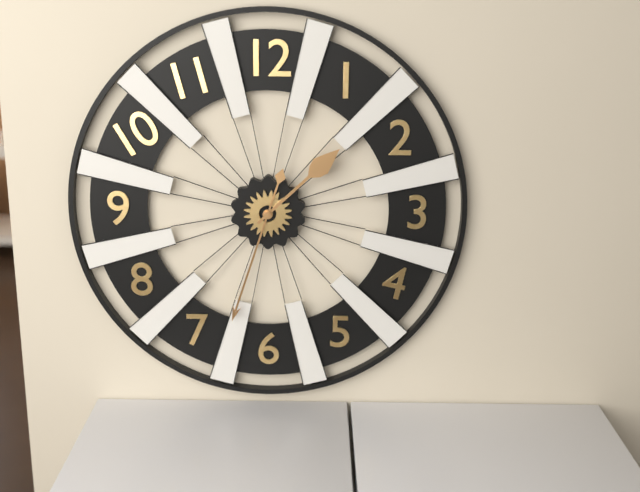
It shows **1:33**
